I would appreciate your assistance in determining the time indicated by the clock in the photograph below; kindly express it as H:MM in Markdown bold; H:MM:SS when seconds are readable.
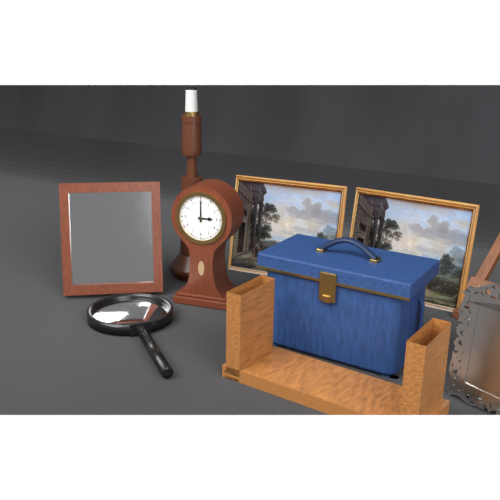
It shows **3:00**
